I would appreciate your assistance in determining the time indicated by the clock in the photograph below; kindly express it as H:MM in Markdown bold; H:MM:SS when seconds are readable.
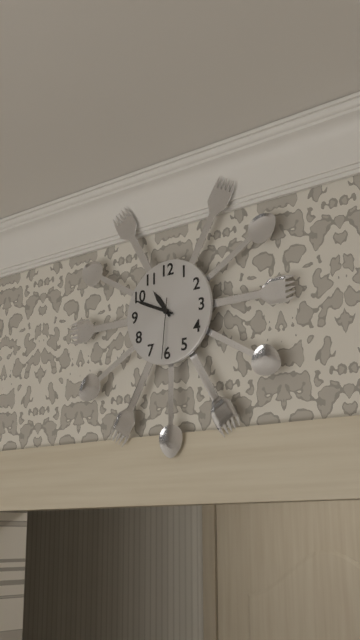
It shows **10:49:31**
